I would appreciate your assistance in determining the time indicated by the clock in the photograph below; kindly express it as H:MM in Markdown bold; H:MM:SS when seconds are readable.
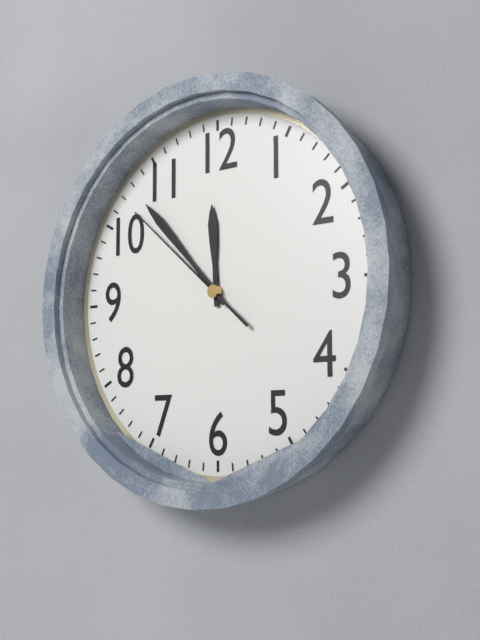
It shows **11:53:52**
